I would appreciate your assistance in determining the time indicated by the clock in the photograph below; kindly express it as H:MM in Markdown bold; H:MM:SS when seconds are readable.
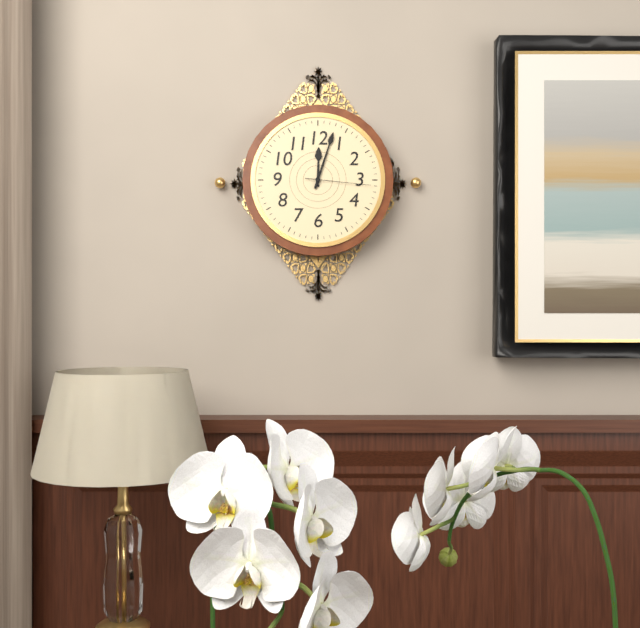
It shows **12:03:16**
